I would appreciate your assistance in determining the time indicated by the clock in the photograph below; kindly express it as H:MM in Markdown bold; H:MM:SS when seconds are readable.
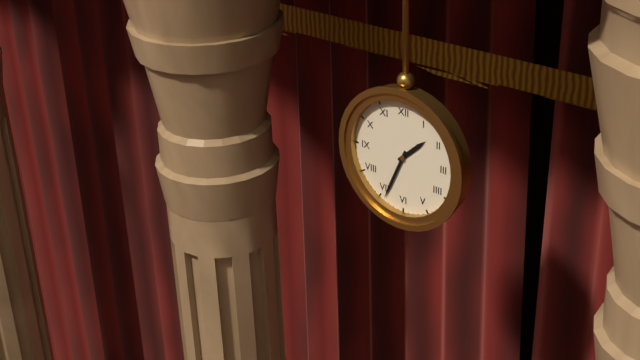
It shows **1:34**
